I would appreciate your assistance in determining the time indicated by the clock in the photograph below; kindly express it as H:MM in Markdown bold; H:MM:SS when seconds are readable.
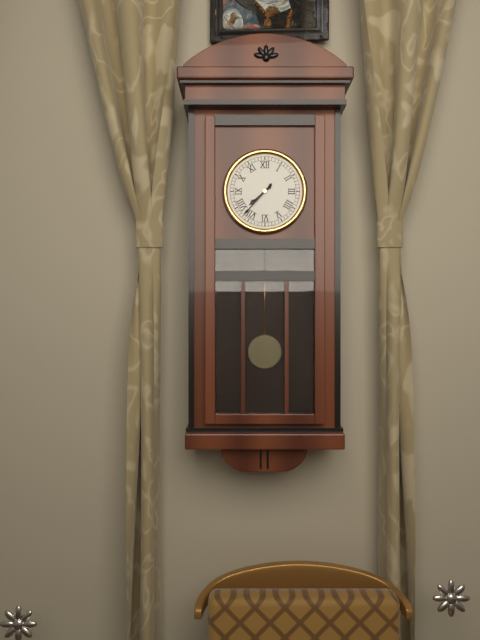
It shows **7:37**
